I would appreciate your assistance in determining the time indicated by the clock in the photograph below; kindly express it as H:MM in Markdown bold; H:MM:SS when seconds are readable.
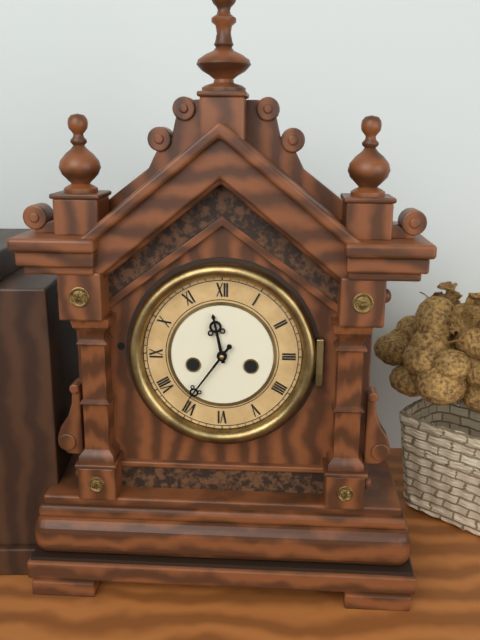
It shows **11:36**
